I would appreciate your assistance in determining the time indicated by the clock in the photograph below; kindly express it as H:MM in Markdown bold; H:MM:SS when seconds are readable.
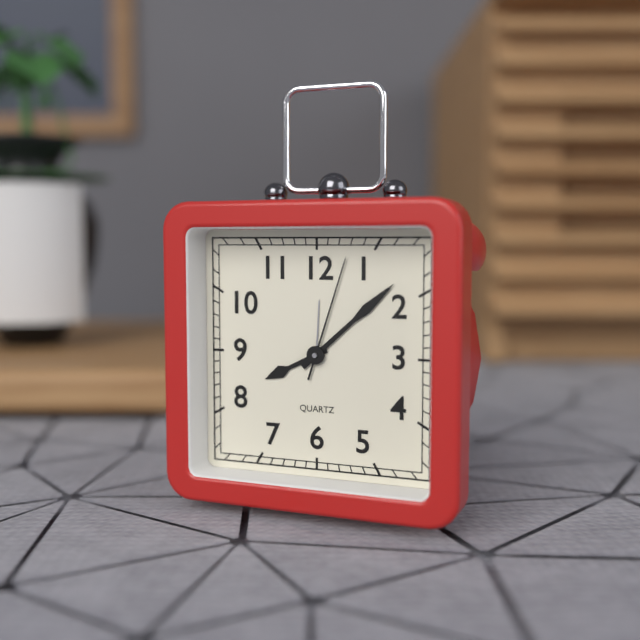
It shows **8:08:03**
